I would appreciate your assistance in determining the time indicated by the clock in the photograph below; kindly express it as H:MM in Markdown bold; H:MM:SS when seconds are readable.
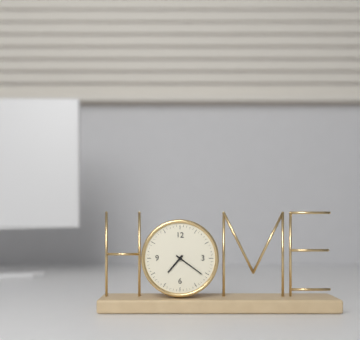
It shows **7:21**
